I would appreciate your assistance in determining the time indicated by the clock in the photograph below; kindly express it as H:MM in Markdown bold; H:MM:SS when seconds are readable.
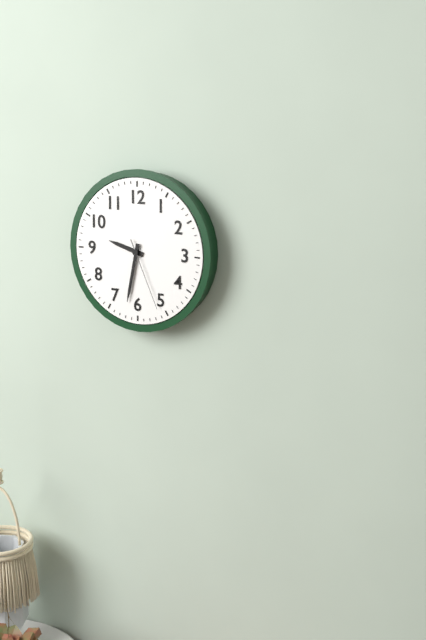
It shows **9:32:26**
